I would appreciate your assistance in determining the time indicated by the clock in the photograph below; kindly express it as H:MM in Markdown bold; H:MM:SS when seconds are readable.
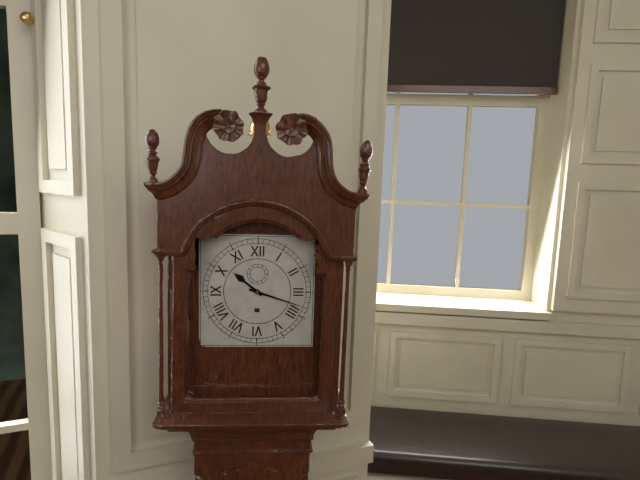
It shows **10:18**
